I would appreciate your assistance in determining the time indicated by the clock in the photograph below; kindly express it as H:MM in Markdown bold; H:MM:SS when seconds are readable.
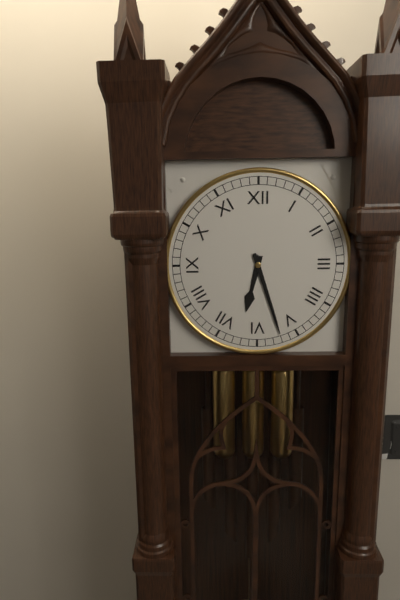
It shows **6:27**
